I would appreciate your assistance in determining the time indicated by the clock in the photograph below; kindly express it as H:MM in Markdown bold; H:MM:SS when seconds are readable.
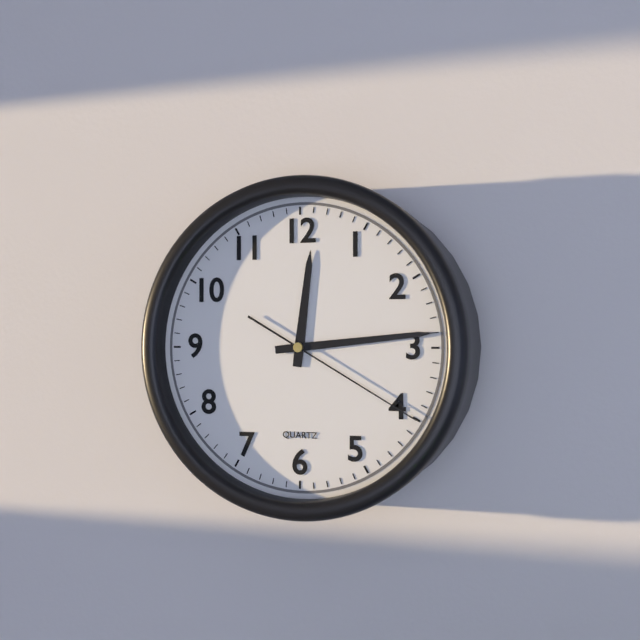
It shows **12:14:20**
